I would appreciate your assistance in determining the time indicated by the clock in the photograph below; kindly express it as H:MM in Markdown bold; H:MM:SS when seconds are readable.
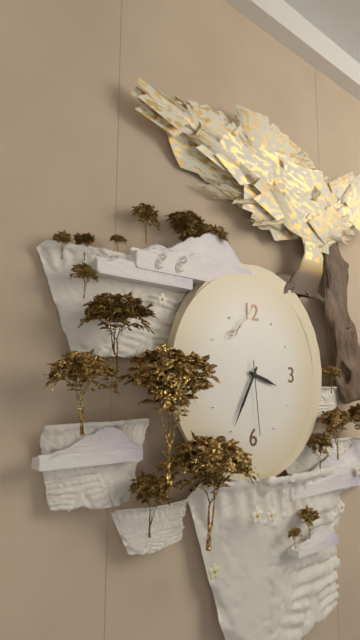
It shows **3:35:29**
